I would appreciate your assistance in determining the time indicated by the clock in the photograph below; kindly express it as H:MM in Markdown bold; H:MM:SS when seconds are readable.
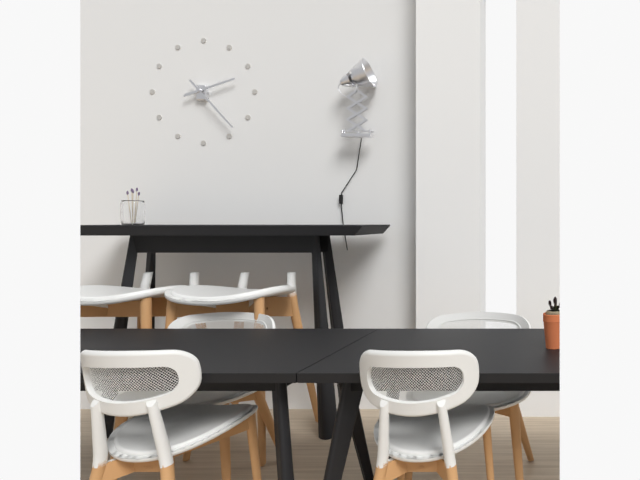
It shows **2:23**
